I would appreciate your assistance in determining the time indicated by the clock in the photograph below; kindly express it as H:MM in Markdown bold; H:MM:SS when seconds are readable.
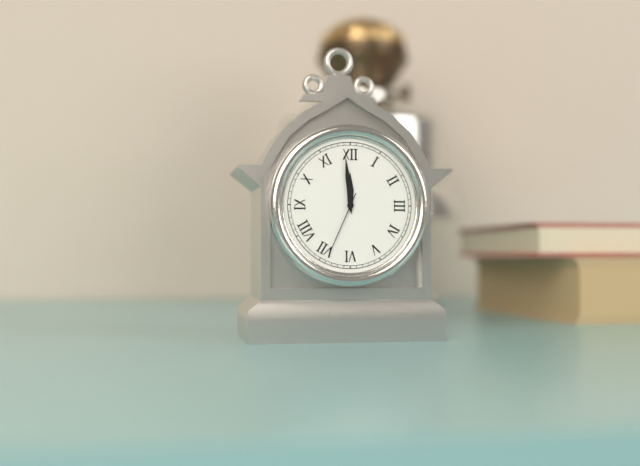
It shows **11:59:34**
